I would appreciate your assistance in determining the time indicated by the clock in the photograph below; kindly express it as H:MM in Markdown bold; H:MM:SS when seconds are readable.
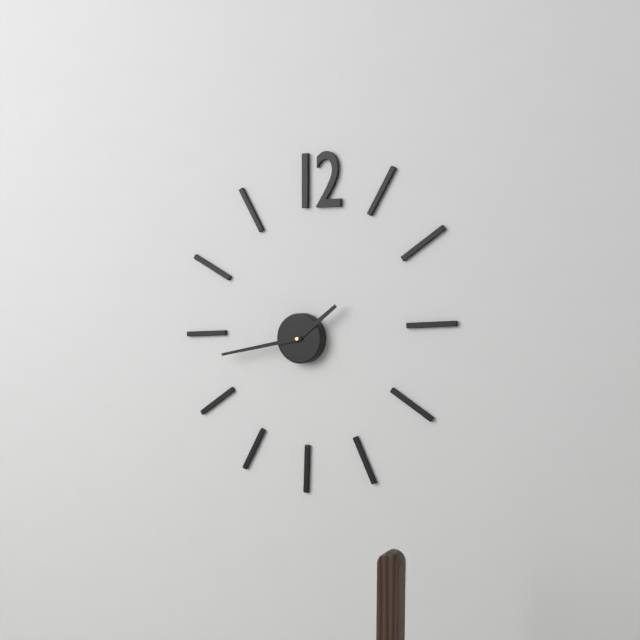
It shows **1:43**
